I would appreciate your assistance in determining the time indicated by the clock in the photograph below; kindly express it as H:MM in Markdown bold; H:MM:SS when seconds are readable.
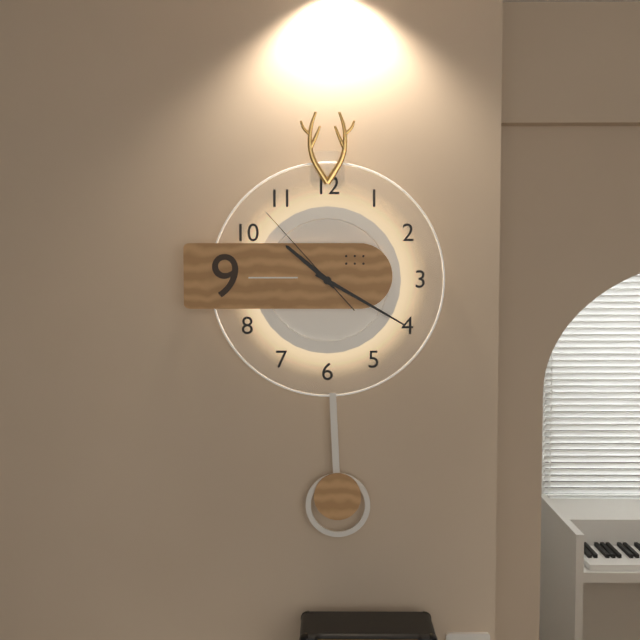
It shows **10:20:53**
